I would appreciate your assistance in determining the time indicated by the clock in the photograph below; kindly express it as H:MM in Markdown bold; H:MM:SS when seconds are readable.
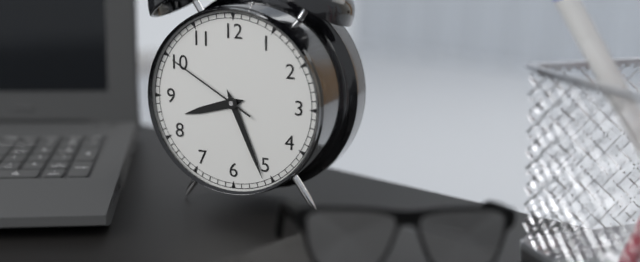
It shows **8:26:50**
